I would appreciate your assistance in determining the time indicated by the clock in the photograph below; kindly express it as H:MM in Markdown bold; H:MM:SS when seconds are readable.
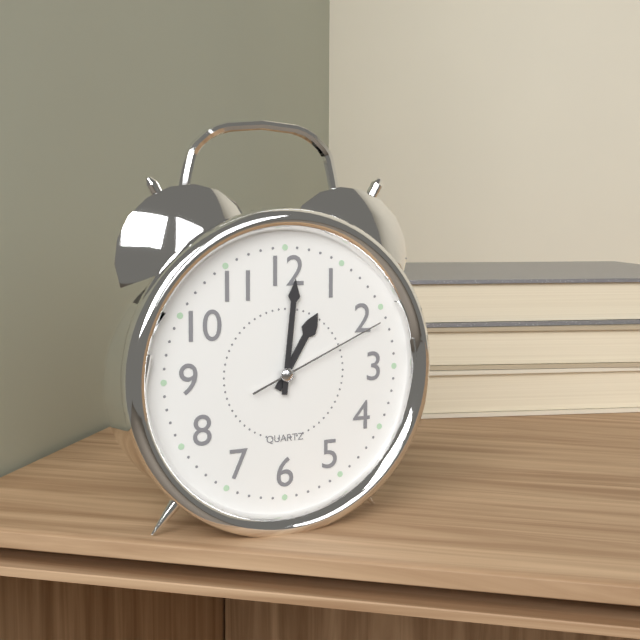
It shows **1:01:11**
